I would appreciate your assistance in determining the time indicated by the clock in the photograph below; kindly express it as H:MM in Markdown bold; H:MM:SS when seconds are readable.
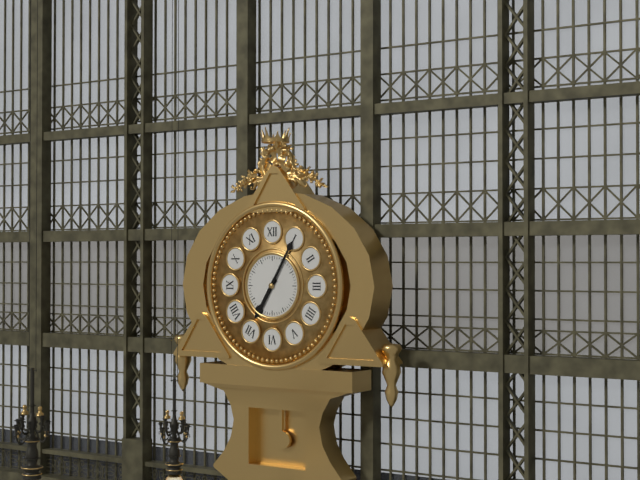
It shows **7:05**
